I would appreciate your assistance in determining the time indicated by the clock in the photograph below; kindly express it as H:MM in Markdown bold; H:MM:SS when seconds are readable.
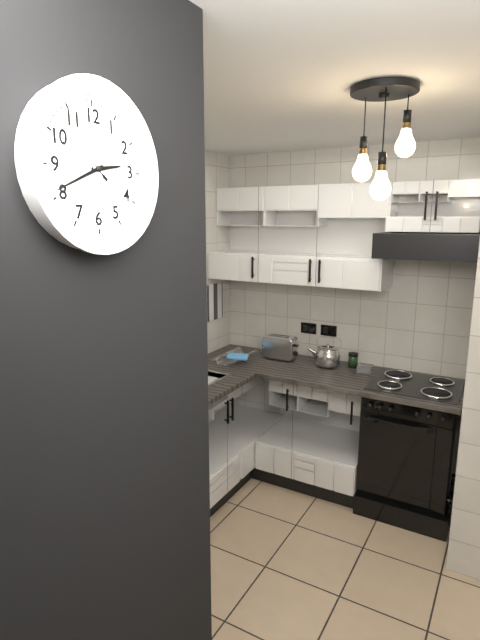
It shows **2:41:52**
